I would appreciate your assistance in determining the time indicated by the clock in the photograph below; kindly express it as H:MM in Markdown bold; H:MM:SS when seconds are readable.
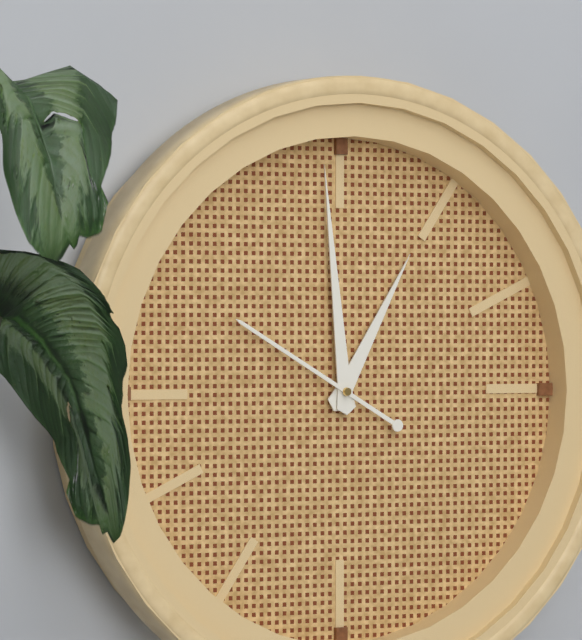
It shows **12:59:50**
